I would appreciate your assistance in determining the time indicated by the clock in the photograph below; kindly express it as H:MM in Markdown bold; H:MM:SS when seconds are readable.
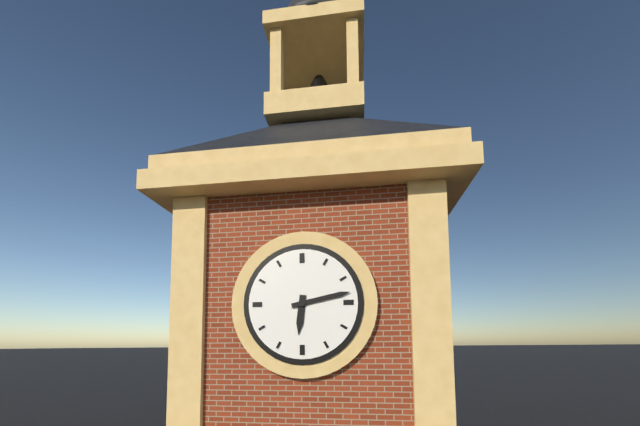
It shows **6:13**
